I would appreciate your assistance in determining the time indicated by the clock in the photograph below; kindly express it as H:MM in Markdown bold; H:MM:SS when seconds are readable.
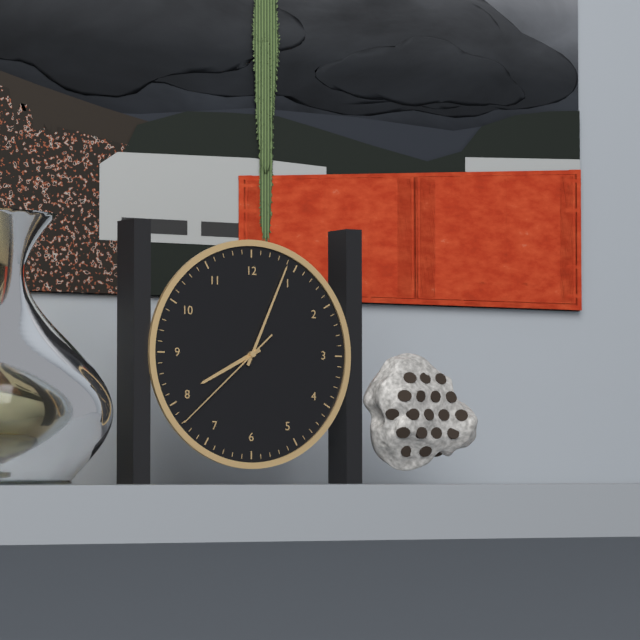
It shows **8:04:38**
